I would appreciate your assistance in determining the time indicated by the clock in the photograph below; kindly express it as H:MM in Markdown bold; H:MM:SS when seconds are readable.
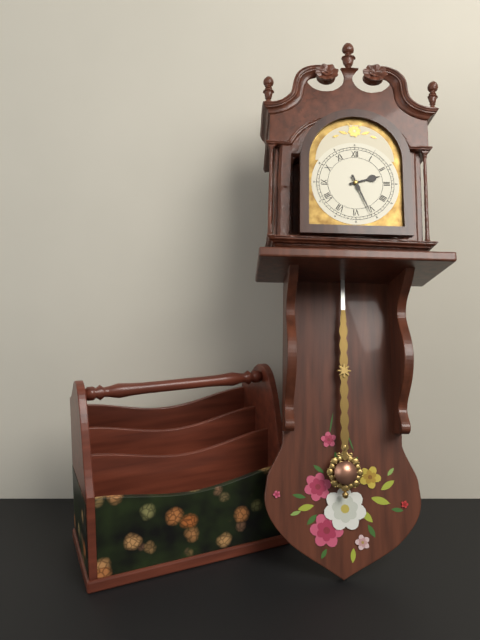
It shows **2:26**
